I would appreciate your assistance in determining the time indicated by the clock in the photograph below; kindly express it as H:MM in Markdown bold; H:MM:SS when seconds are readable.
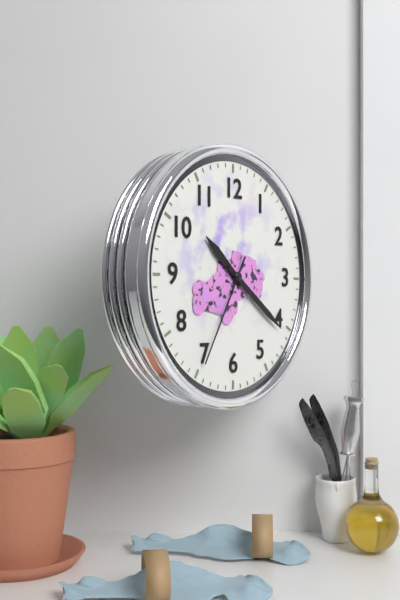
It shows **10:21:35**
